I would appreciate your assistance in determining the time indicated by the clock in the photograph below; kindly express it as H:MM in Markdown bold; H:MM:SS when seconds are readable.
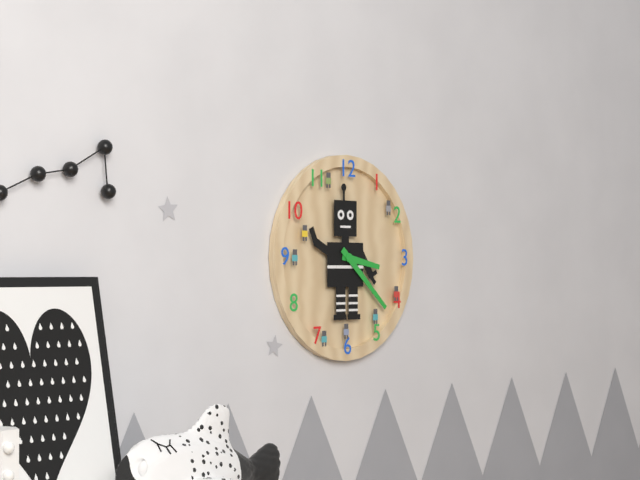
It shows **3:22**
